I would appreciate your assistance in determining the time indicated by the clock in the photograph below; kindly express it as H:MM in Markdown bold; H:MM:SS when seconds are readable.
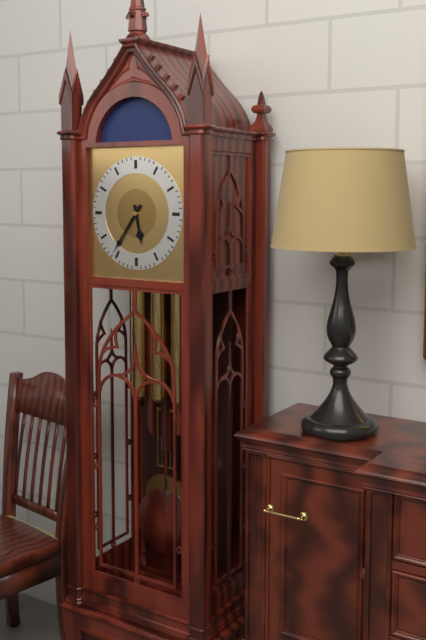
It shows **5:36**
